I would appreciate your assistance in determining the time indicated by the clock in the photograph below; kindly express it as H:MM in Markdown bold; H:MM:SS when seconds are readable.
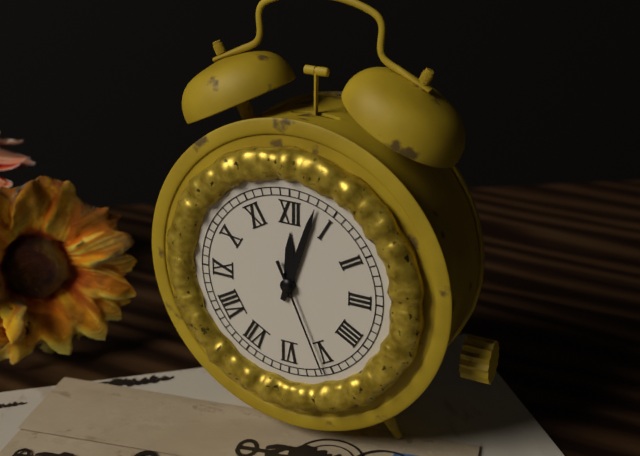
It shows **12:03:26**
